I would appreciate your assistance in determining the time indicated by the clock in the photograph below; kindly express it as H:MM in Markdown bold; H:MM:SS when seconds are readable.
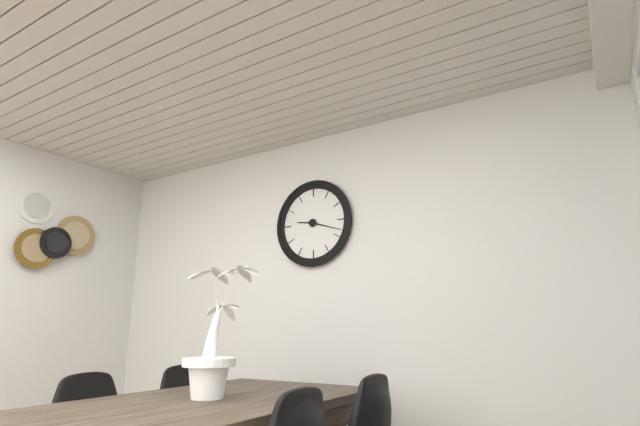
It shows **9:18**
